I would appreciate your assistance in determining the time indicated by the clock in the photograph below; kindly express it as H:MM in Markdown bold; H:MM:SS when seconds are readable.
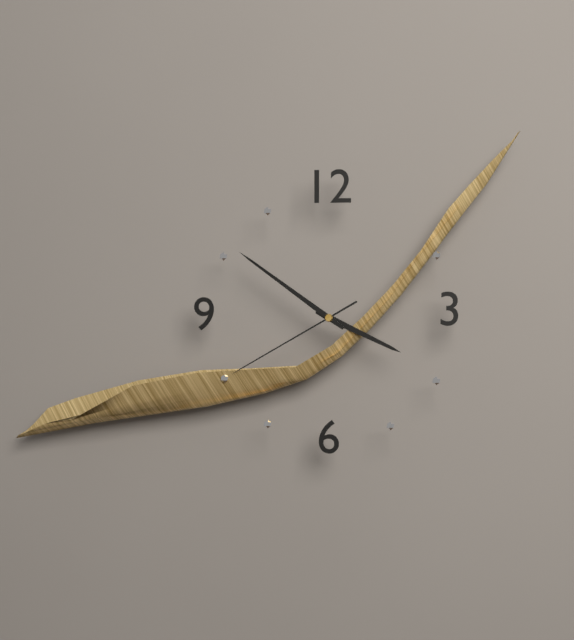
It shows **3:51:40**
